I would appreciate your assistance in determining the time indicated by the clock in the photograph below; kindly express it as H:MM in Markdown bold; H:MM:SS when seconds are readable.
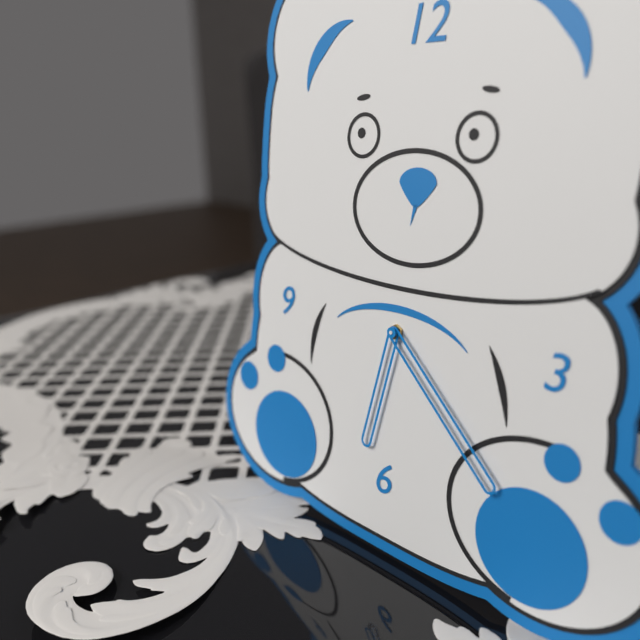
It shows **6:22**
